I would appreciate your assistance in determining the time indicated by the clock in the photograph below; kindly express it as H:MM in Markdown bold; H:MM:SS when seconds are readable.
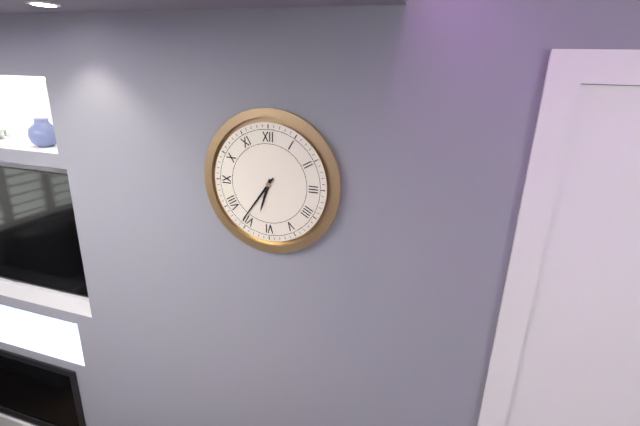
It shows **6:36**
